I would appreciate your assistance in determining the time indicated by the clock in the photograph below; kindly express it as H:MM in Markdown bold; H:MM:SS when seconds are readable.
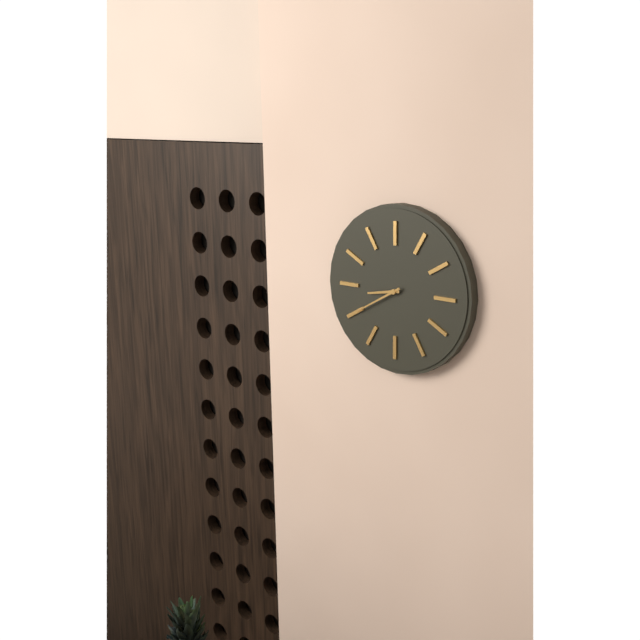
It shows **8:40**
